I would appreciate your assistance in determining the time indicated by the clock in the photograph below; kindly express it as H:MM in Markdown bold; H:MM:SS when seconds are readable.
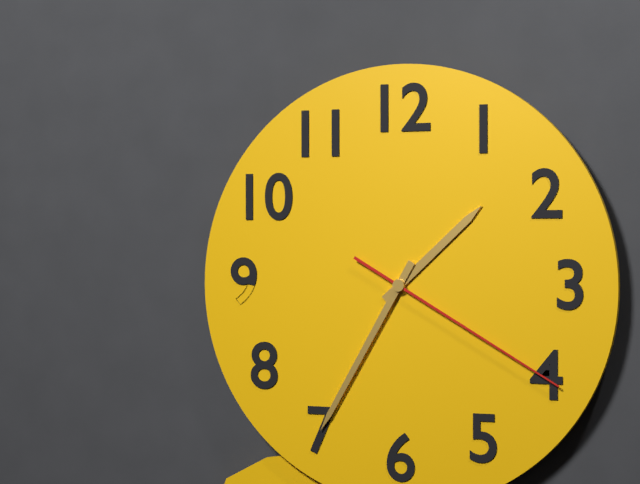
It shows **1:35:20**
